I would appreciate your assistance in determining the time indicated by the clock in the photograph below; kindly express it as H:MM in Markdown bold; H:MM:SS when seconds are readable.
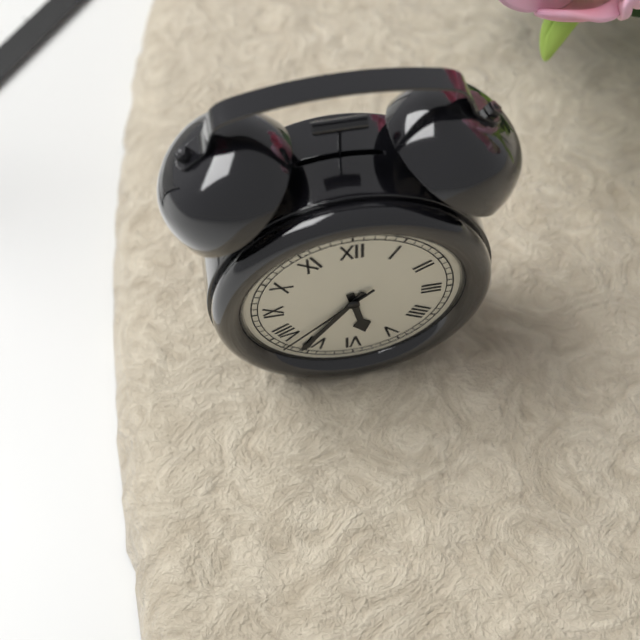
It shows **5:36:38**
